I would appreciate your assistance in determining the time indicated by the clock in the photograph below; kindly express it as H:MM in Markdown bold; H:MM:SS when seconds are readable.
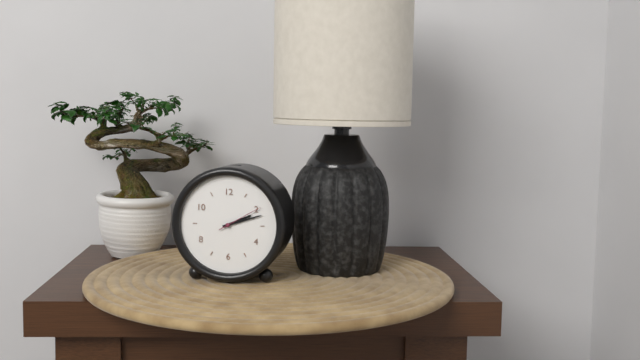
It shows **2:12**
